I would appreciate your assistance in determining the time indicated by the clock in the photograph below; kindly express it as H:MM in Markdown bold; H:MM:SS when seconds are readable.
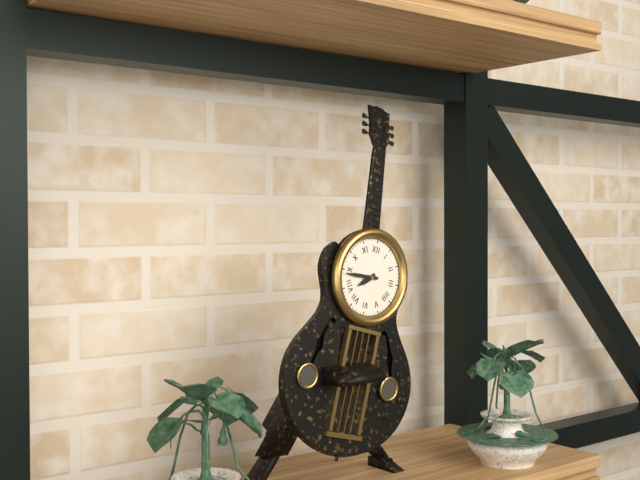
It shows **7:44**
